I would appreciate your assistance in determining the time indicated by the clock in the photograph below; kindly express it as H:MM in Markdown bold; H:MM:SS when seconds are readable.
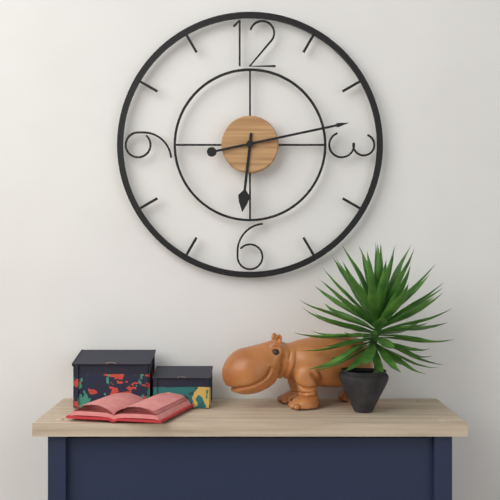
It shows **6:13**
